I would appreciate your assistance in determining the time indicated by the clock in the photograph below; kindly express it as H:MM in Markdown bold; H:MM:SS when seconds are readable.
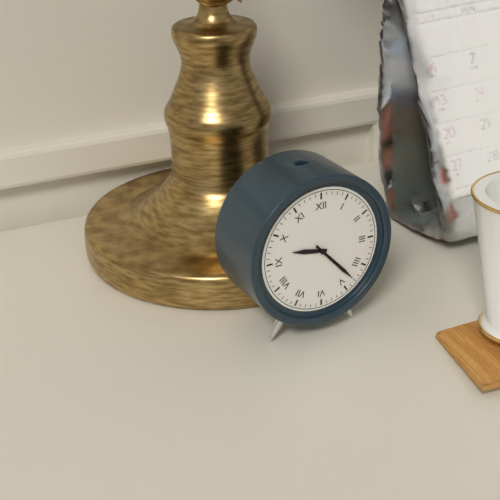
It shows **9:23**
